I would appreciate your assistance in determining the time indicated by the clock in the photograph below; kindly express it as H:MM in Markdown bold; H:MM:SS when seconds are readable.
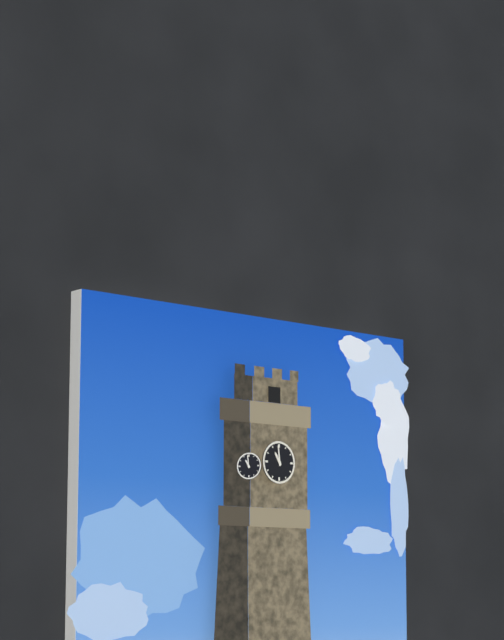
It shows **10:59**
